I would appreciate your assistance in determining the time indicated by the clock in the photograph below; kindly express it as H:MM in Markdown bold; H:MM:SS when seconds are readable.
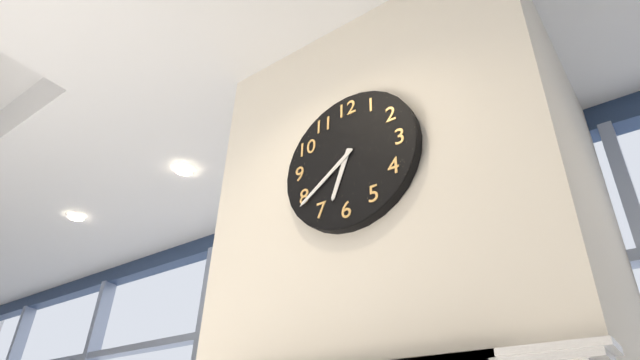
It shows **6:39**
